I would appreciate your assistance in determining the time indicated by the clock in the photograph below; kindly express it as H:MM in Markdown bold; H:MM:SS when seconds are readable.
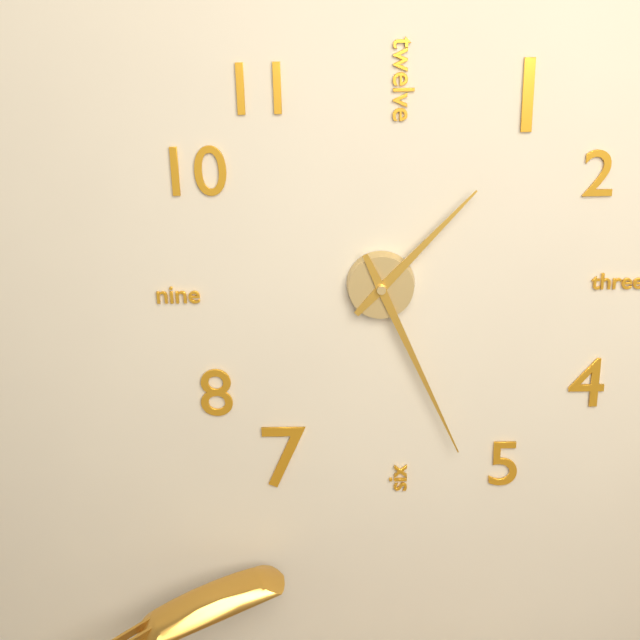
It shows **1:26**
